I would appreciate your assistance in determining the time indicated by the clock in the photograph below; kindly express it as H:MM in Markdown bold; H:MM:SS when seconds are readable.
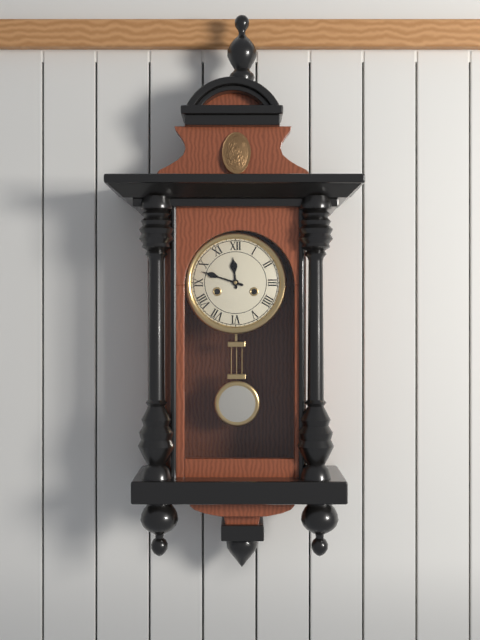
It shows **11:48**
